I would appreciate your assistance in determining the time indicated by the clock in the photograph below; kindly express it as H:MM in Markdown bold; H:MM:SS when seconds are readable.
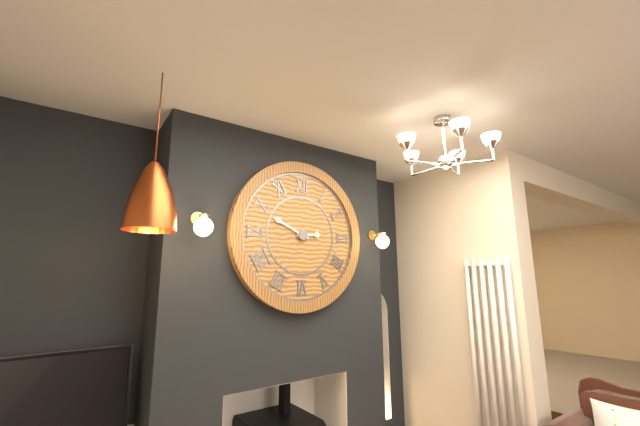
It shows **2:49**
